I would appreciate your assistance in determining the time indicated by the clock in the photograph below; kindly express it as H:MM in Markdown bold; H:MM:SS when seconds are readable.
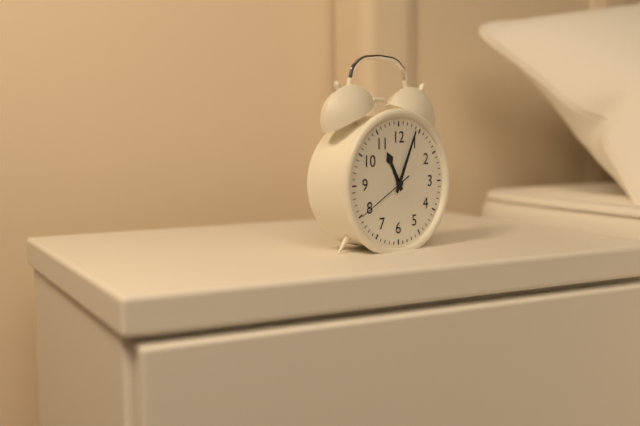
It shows **11:04:40**
